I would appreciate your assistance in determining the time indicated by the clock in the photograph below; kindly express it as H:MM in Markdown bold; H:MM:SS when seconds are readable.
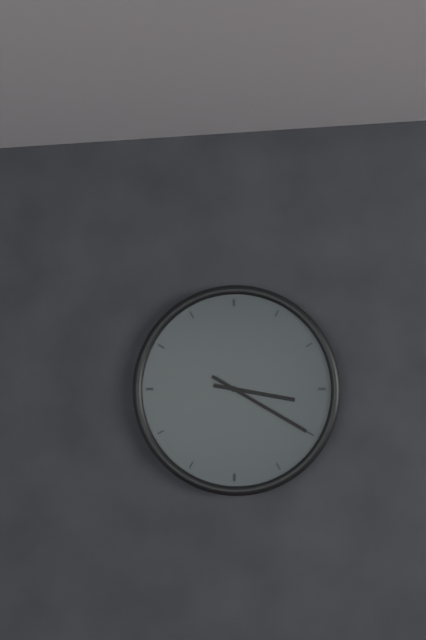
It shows **3:20**
